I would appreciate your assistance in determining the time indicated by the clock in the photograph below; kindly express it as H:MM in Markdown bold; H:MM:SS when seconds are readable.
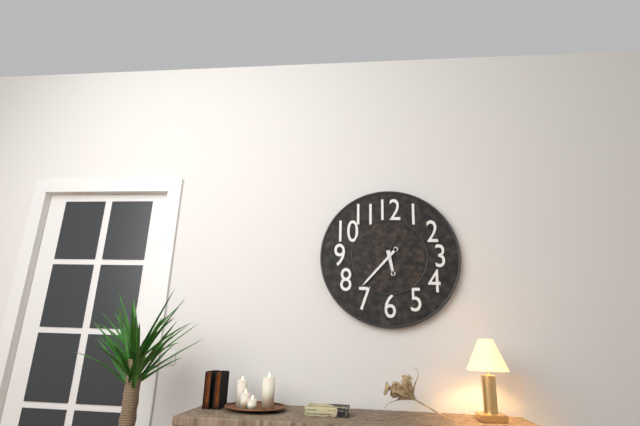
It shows **5:37**
